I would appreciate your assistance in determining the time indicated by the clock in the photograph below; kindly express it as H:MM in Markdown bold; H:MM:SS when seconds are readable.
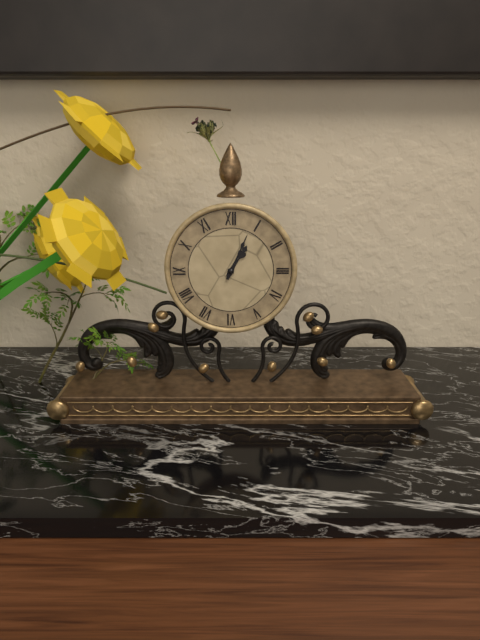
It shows **1:04**
